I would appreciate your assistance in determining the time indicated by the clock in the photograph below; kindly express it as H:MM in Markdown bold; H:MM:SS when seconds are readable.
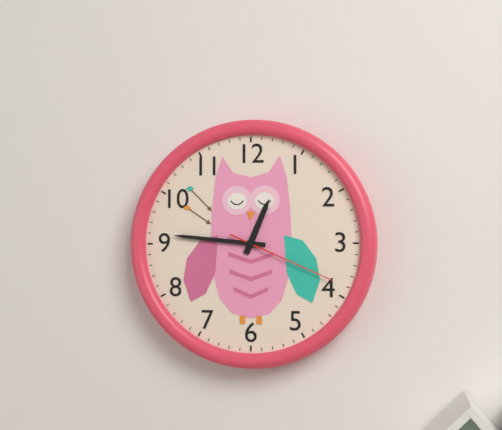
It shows **12:46:19**
